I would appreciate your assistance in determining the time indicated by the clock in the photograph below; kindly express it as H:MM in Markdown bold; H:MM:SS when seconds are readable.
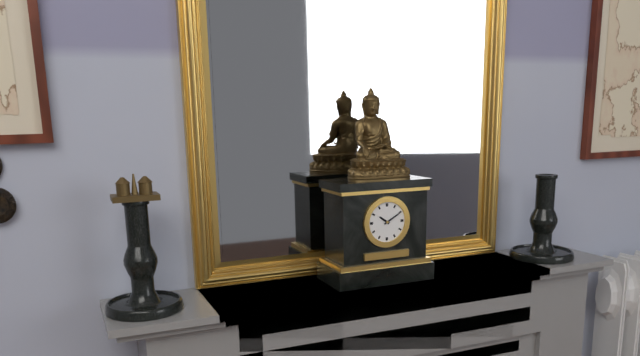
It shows **10:10**
